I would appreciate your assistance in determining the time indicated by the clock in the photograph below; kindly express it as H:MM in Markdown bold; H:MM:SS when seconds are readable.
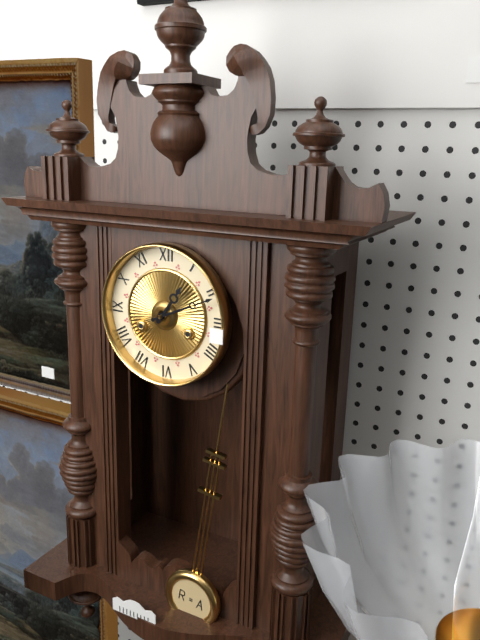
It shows **1:11**
